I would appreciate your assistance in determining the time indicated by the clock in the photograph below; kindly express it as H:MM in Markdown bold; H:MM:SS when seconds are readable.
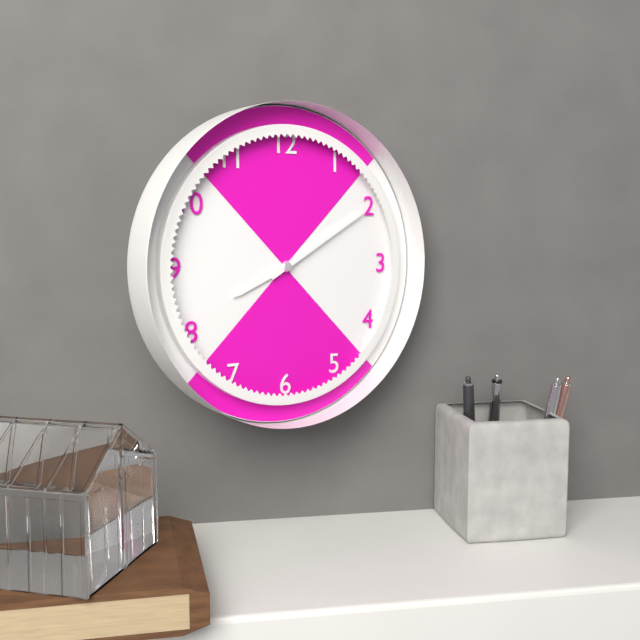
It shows **8:10**
